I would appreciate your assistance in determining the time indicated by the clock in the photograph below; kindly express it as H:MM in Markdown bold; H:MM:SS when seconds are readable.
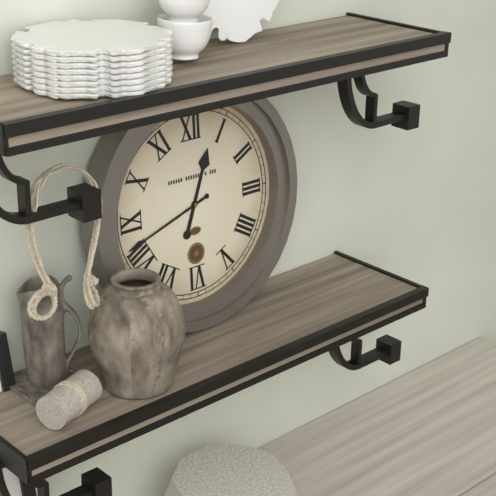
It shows **12:42**
